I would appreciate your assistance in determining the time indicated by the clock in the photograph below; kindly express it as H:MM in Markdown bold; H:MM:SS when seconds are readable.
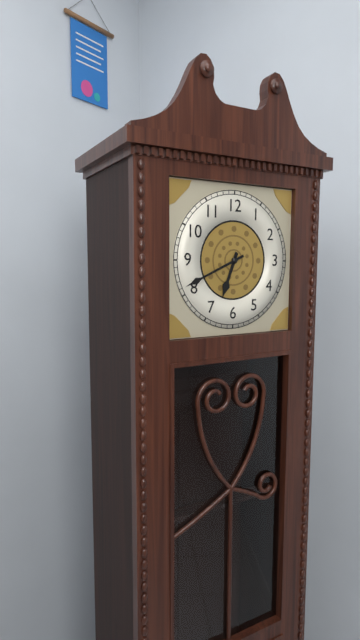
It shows **6:41**
